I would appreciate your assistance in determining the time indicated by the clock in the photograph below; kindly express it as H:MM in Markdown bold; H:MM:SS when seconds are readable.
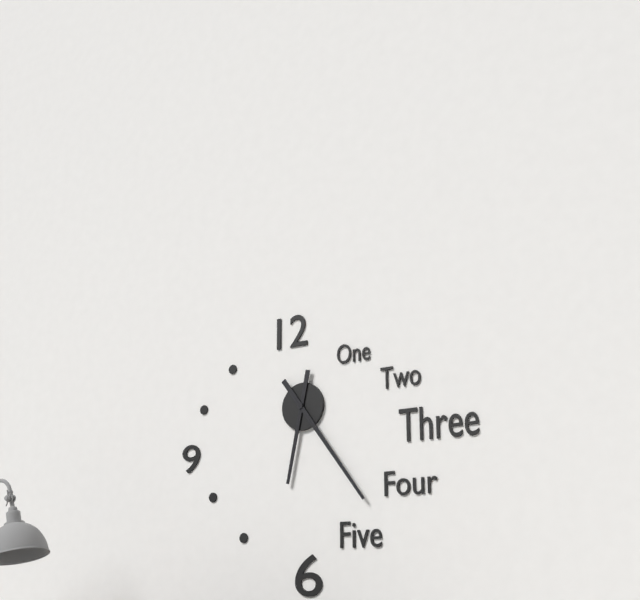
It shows **6:24**
